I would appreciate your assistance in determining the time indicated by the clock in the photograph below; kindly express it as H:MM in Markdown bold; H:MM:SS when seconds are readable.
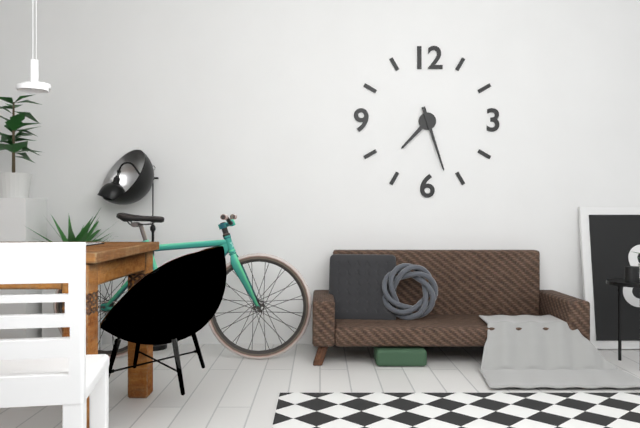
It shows **7:27**
